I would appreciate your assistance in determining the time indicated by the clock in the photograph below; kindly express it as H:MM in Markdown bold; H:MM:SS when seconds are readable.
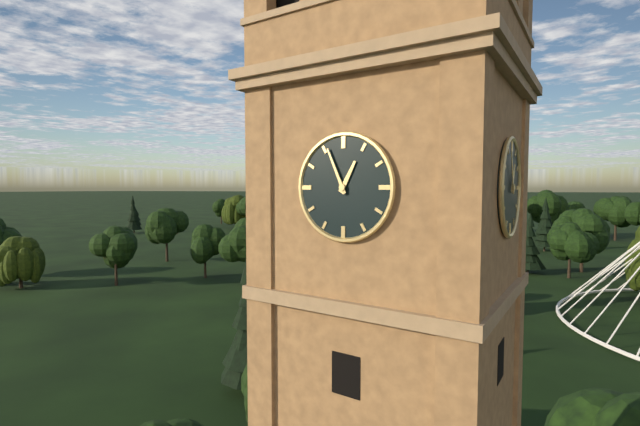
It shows **12:56**
